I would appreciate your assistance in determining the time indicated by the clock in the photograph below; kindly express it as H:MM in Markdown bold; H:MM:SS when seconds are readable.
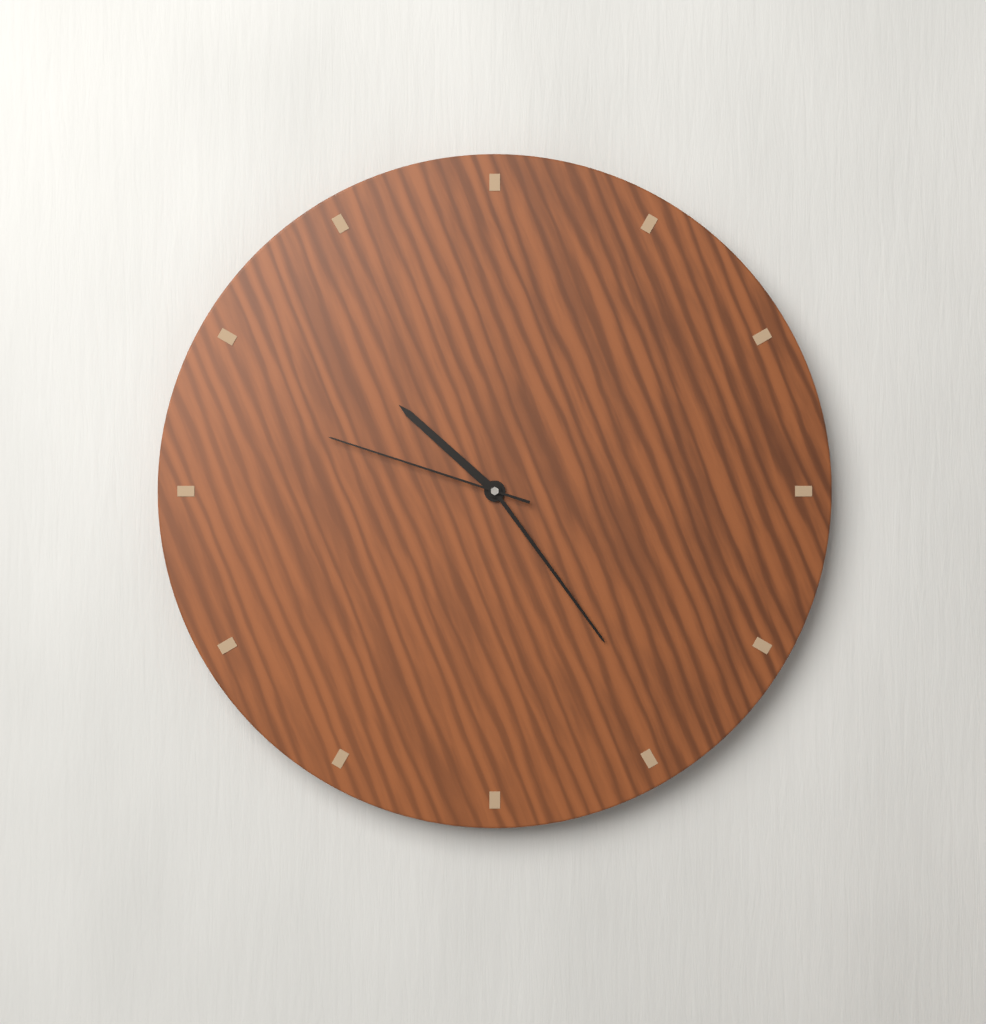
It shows **10:24:48**
